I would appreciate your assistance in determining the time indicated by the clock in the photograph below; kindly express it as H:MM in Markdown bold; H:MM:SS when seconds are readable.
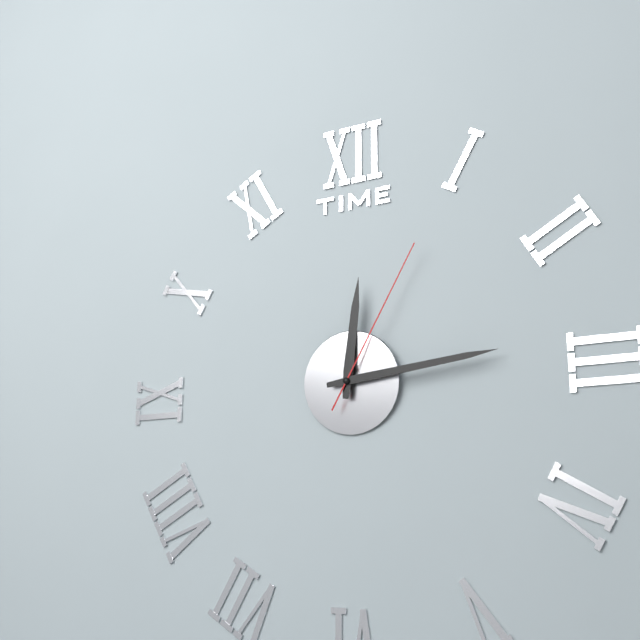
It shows **12:14:05**
